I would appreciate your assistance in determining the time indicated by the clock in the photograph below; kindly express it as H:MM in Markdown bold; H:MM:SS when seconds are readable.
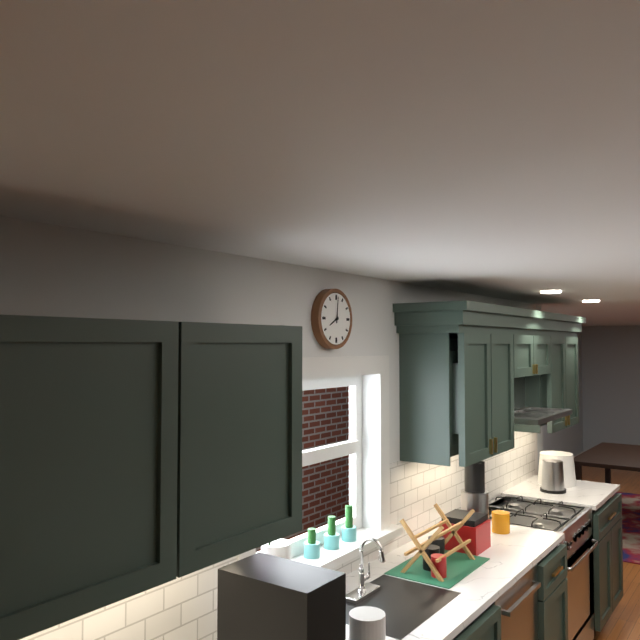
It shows **8:01**
